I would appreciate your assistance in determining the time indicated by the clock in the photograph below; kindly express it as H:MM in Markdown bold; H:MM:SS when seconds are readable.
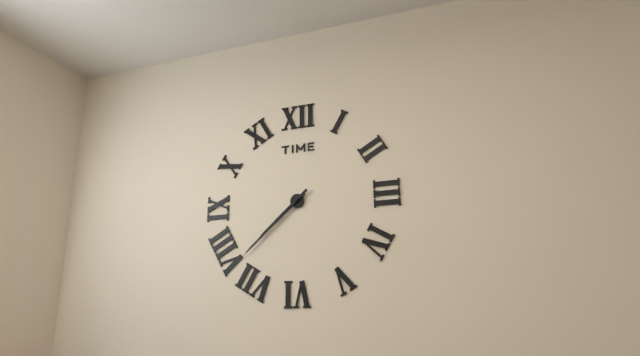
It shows **7:38**
